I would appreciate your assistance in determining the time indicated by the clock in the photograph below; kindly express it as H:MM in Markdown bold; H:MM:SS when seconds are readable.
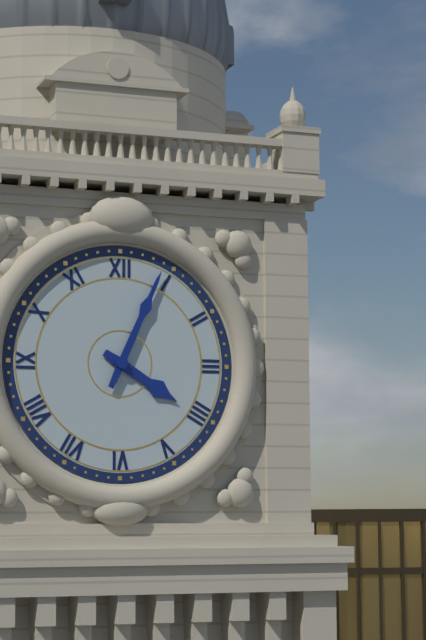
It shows **4:04**
